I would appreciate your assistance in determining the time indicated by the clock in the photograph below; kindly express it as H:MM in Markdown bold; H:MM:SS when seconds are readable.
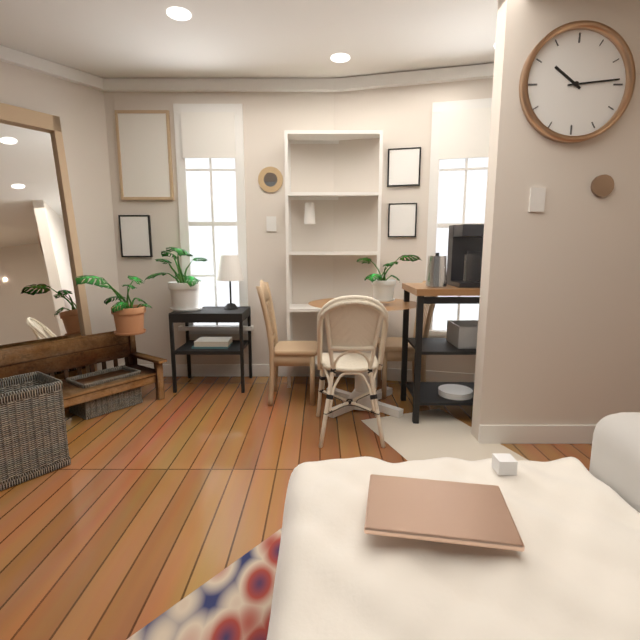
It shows **10:14**
